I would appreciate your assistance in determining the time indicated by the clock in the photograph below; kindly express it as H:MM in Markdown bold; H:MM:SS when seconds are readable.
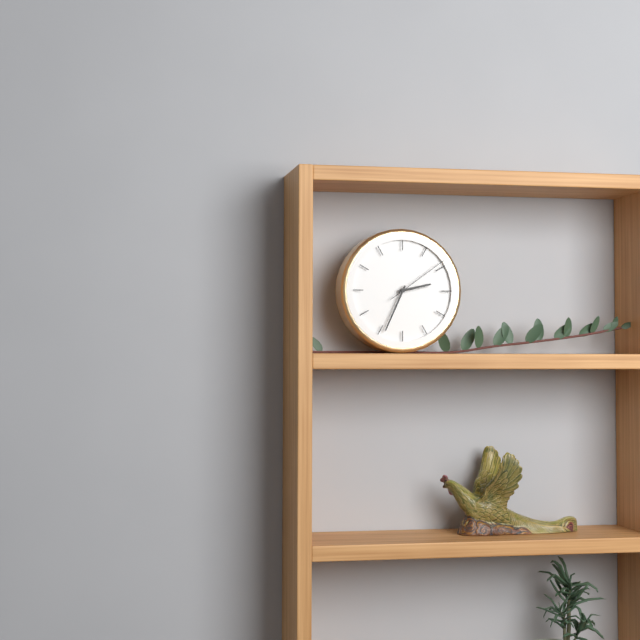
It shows **2:34:09**
